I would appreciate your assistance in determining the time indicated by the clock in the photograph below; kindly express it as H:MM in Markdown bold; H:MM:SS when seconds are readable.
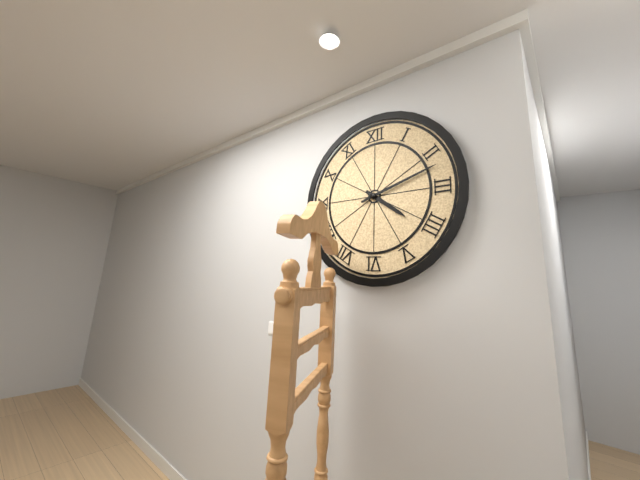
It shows **4:12**
